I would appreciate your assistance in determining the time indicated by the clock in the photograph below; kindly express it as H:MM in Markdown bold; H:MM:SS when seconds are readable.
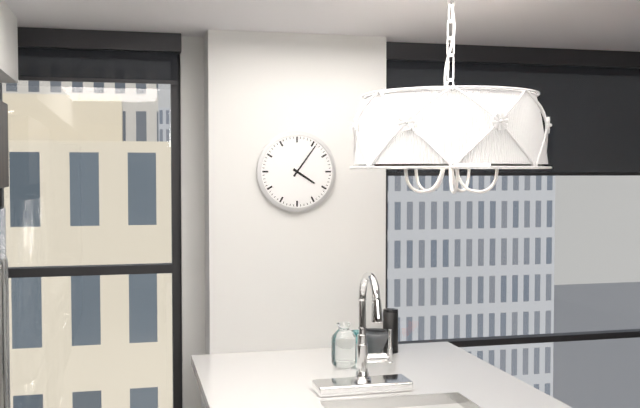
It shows **4:06**
